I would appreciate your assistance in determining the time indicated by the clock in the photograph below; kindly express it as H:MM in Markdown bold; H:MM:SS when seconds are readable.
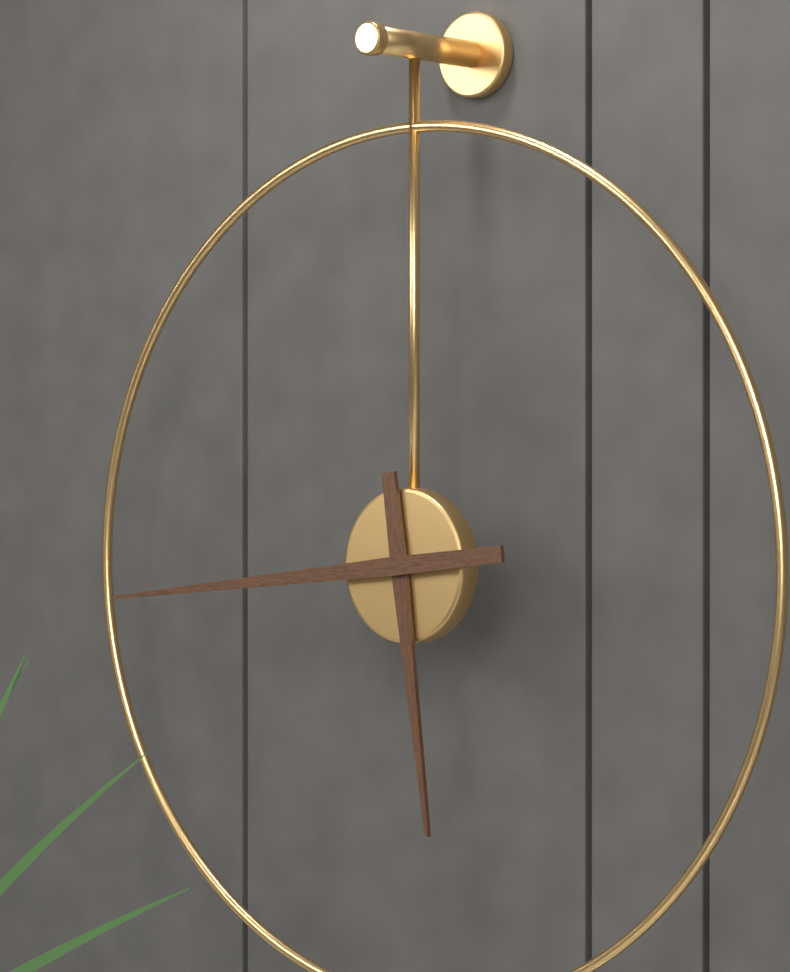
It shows **5:44**
